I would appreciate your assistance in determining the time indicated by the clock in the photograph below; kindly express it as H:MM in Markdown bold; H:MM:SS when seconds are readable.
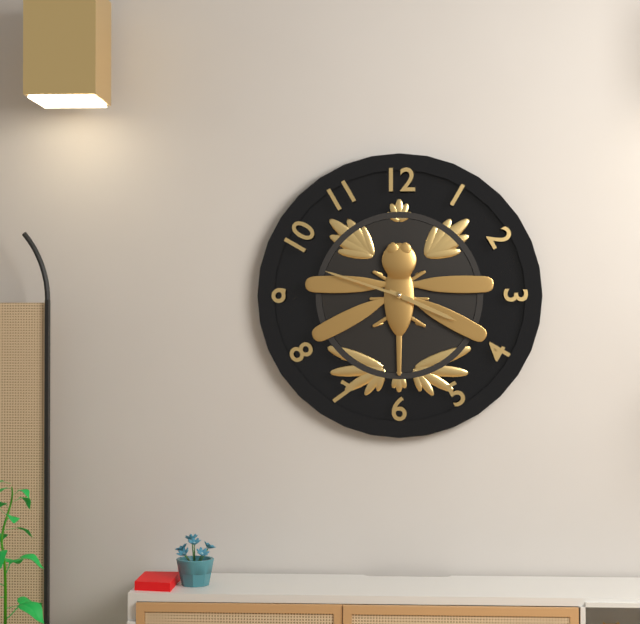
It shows **3:48**
